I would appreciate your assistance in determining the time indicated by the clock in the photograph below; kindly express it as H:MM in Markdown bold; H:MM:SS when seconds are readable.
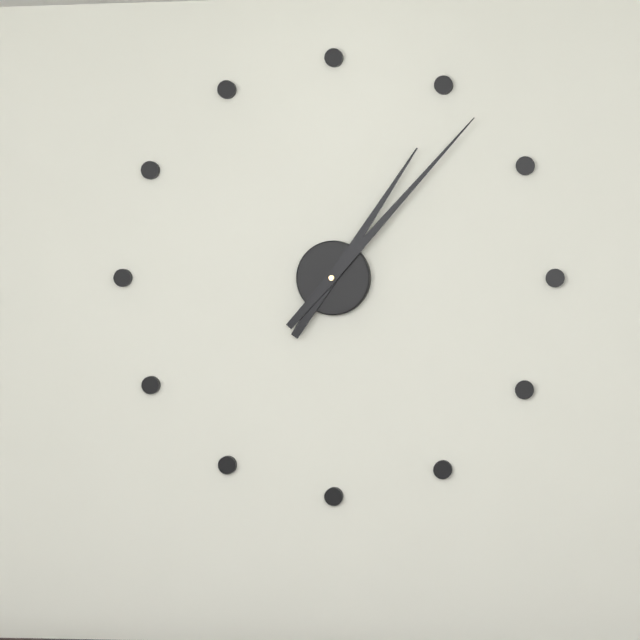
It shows **1:07**
